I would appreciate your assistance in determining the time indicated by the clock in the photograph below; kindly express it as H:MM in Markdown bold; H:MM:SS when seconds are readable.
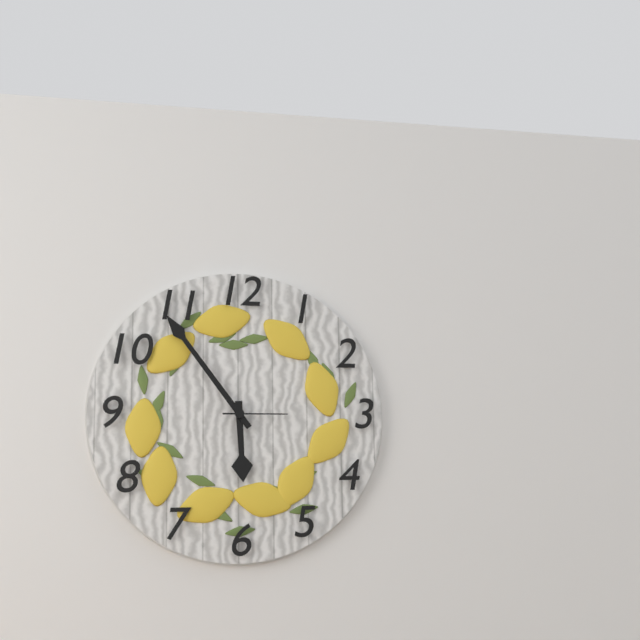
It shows **5:54:15**
